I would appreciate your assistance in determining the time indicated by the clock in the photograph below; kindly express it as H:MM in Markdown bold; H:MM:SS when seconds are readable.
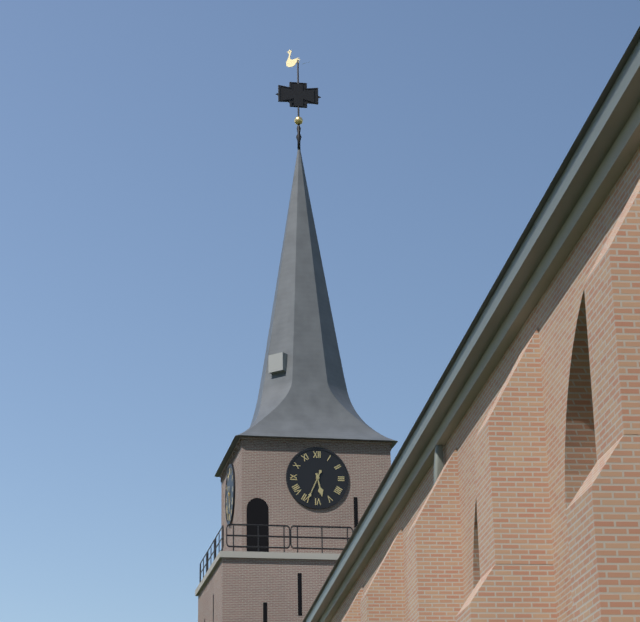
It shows **5:34**
